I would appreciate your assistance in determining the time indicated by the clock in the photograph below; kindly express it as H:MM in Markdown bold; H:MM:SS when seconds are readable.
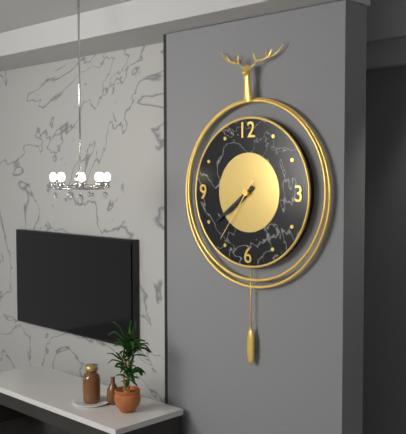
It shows **7:39:36**
